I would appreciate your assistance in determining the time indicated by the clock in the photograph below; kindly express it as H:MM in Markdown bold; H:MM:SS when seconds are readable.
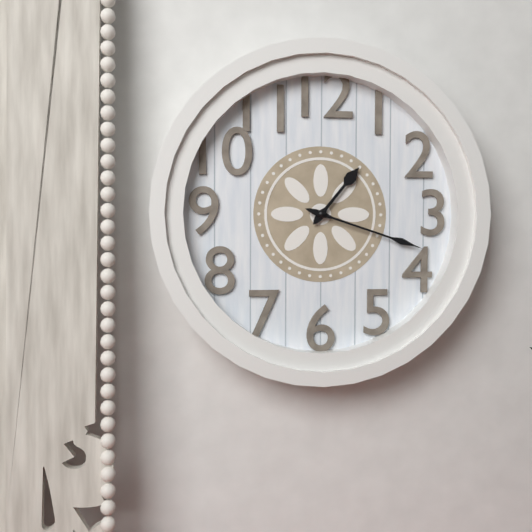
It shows **1:18**
